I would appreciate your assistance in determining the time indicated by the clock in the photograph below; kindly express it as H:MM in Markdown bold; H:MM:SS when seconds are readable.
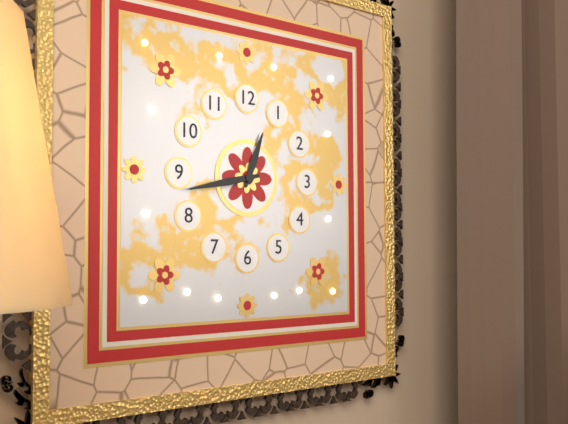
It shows **12:43**
